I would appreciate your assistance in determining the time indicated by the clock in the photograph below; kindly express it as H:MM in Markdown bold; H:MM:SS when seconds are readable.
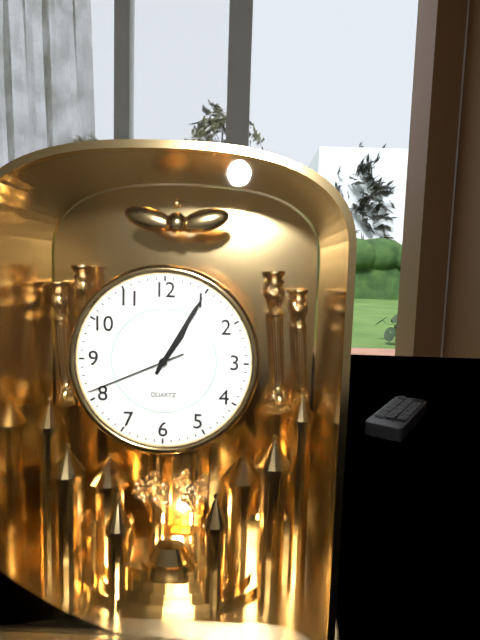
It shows **1:05:41**
